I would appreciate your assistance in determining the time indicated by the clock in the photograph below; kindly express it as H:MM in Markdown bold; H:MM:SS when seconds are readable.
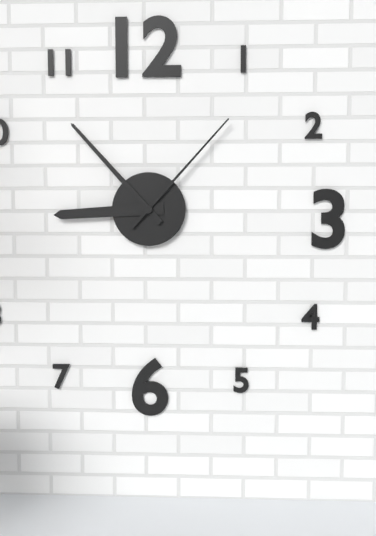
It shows **8:53:07**
